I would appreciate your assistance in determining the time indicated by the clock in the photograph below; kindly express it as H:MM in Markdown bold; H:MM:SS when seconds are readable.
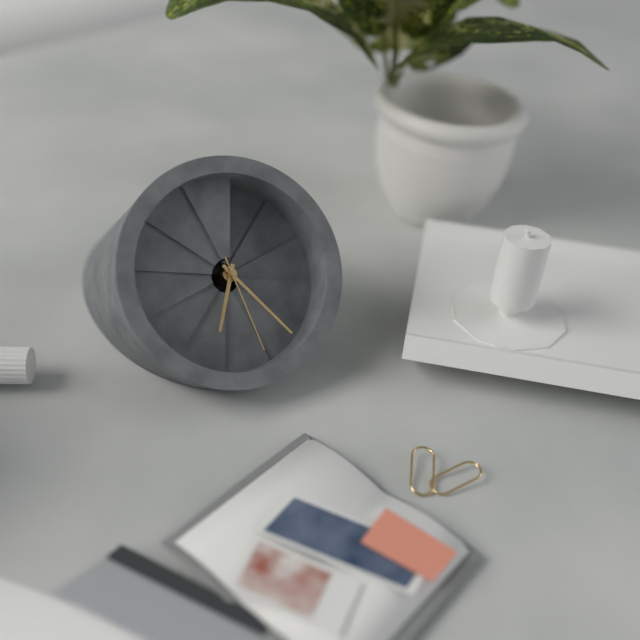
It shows **6:22:26**
